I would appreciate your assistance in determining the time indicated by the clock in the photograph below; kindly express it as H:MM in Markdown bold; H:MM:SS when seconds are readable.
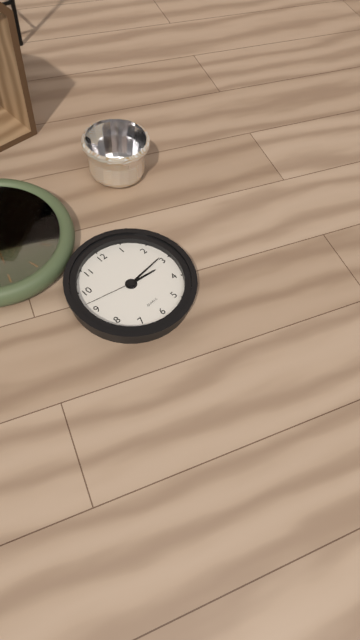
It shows **3:14:47**
